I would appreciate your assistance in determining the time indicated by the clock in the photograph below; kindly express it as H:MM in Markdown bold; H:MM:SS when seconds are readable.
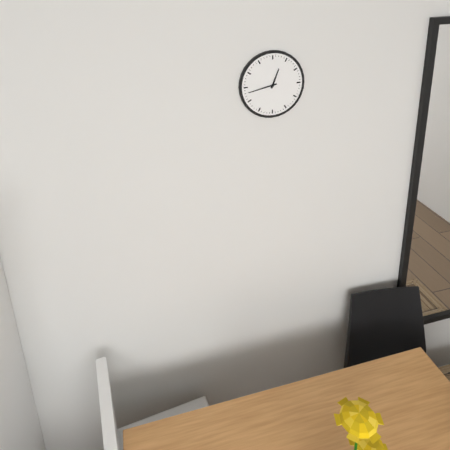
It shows **12:43**
